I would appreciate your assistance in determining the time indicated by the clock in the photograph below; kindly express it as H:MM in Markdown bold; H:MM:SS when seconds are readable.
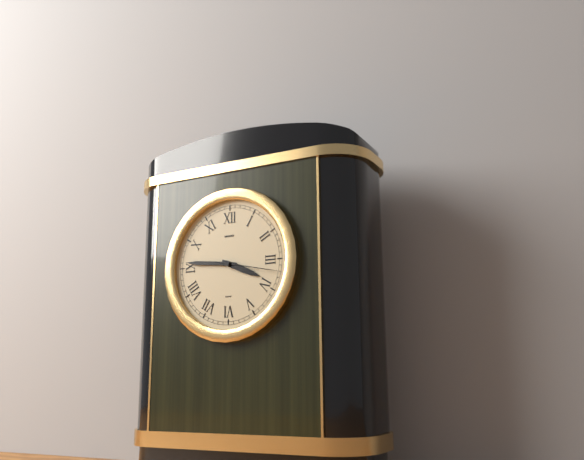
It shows **3:46**
